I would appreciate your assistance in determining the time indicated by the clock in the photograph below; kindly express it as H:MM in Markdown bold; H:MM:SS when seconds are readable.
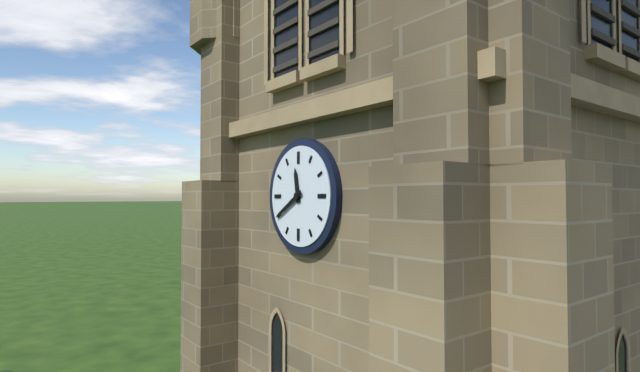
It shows **11:40**
